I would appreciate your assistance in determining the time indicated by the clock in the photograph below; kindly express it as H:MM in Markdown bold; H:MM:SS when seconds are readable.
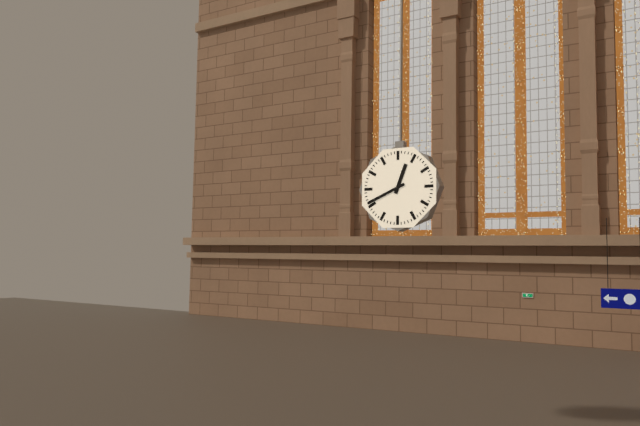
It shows **12:41**
